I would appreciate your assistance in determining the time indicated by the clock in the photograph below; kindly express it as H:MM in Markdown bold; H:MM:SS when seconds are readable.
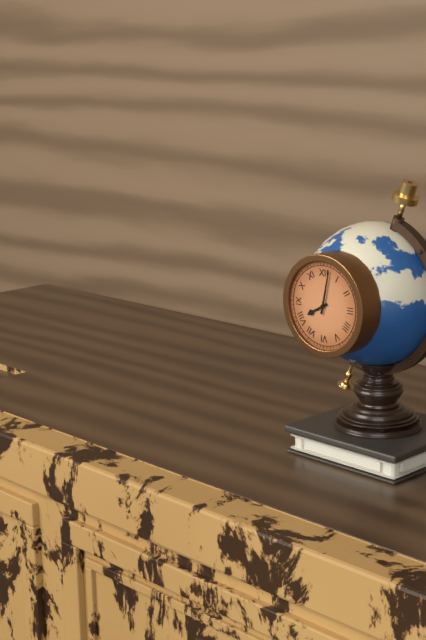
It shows **8:02**
